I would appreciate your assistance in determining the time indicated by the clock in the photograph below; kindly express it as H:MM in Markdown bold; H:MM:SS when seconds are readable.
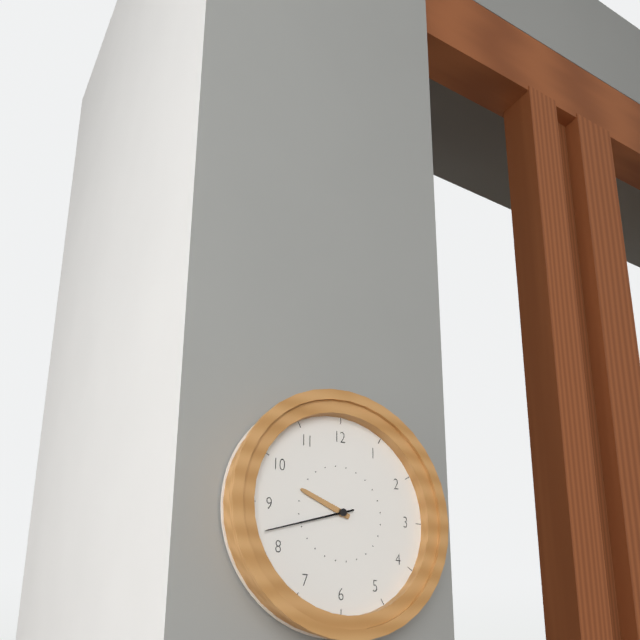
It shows **9:42**
